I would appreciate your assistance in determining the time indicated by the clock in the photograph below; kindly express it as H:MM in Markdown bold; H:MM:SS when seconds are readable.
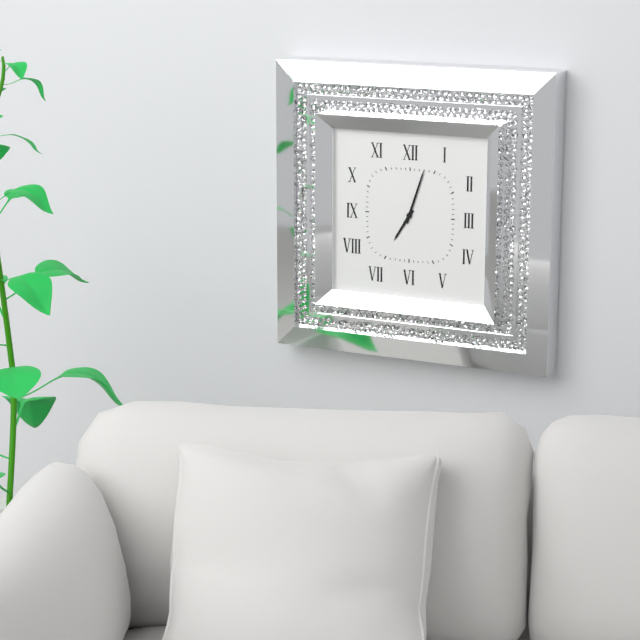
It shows **7:03**
